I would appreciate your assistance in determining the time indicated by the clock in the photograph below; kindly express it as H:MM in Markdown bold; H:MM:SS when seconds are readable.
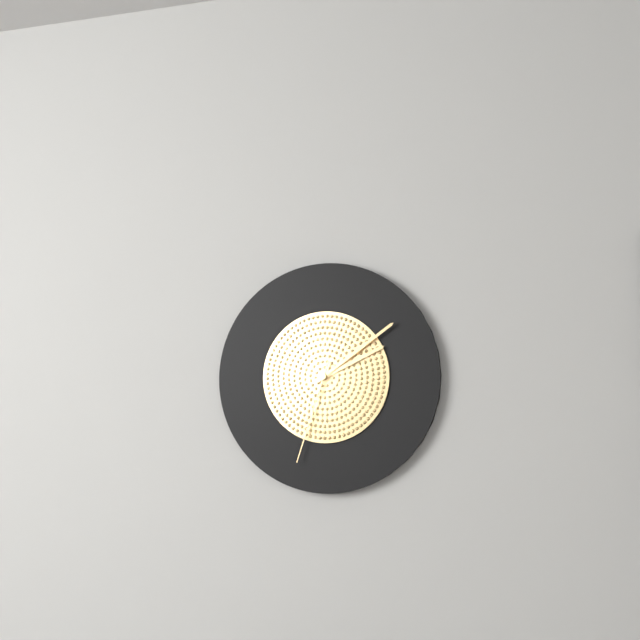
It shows **2:09:33**
